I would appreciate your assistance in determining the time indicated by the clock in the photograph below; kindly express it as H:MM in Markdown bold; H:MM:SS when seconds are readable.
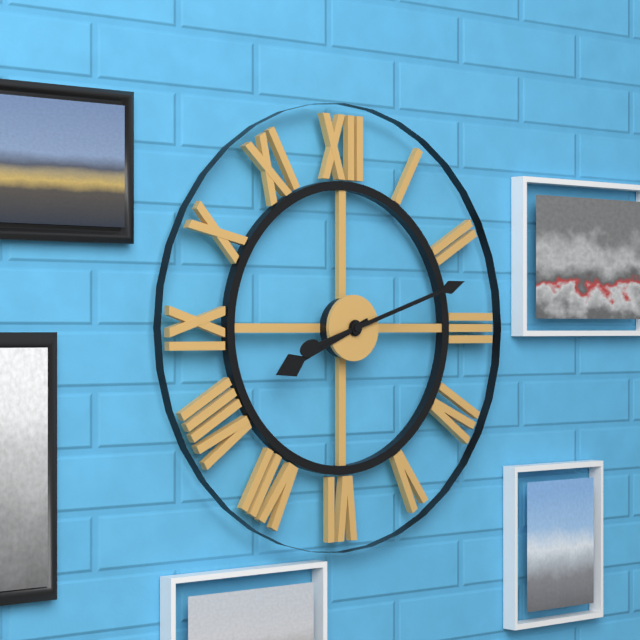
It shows **8:12**
